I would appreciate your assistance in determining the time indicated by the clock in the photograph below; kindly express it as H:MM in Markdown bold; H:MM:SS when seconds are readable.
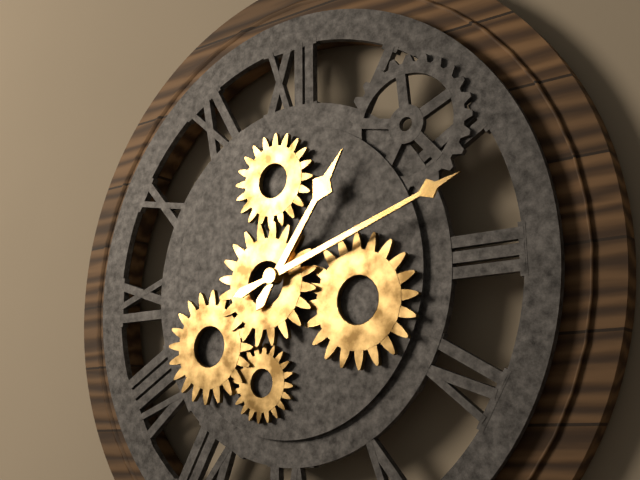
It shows **1:12**
